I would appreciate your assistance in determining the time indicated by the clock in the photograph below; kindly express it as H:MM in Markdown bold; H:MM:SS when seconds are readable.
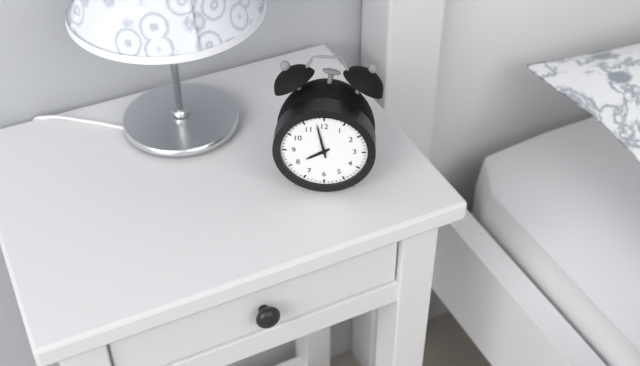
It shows **7:58**
